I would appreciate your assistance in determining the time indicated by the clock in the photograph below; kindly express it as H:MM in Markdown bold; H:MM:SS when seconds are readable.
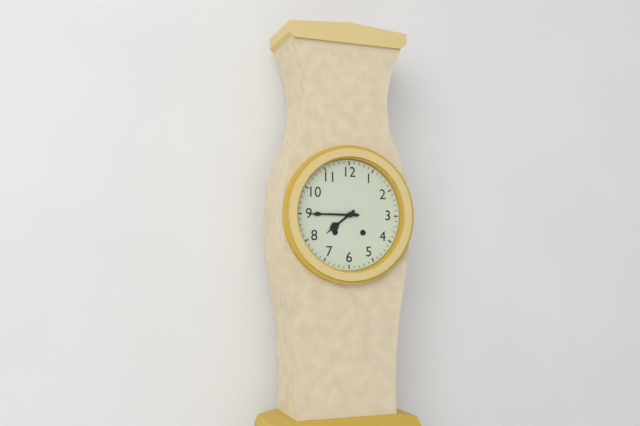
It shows **7:45**
